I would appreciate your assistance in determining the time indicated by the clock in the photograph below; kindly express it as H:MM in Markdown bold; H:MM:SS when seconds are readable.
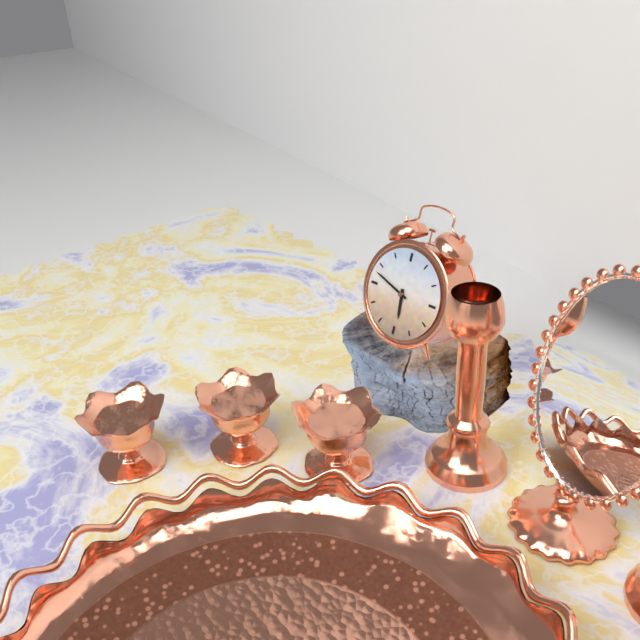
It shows **5:48**
